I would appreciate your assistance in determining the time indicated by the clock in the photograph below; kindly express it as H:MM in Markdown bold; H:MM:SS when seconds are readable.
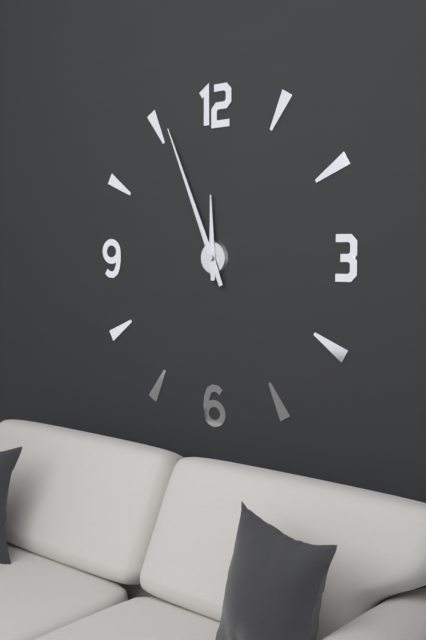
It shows **11:56**
